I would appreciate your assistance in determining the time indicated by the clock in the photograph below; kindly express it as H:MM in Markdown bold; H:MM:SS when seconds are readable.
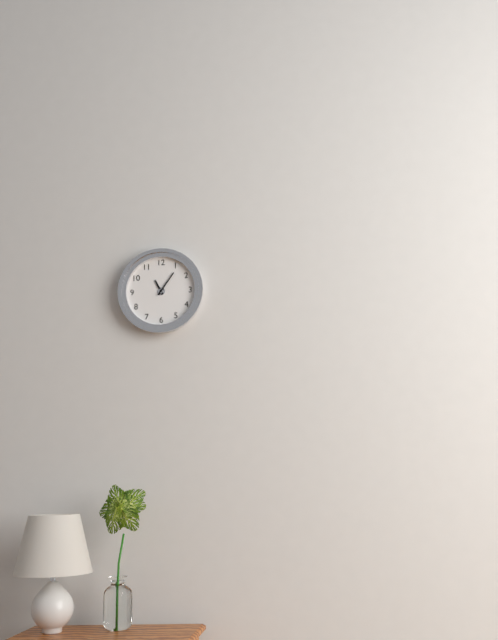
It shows **11:06**
